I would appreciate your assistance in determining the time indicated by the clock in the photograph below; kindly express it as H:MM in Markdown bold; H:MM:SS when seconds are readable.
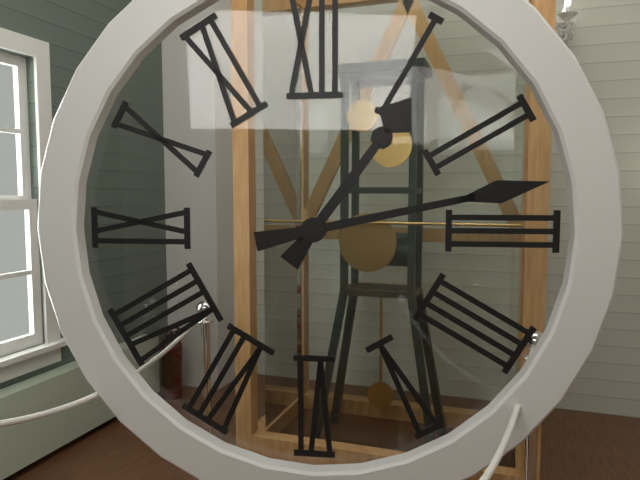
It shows **1:13**
